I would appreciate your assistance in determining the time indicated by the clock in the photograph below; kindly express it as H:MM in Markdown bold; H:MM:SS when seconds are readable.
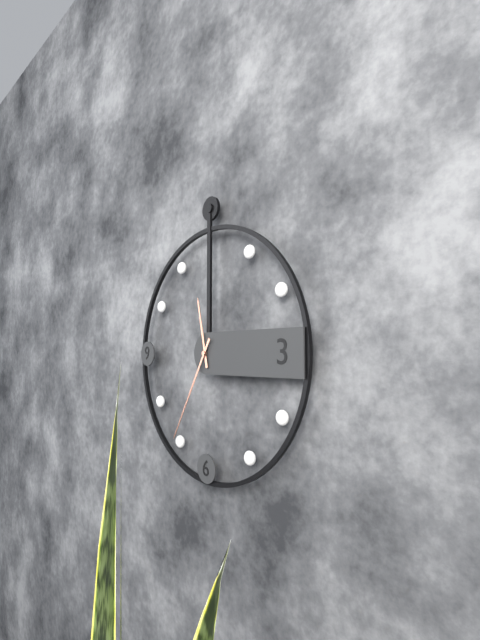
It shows **11:35**
